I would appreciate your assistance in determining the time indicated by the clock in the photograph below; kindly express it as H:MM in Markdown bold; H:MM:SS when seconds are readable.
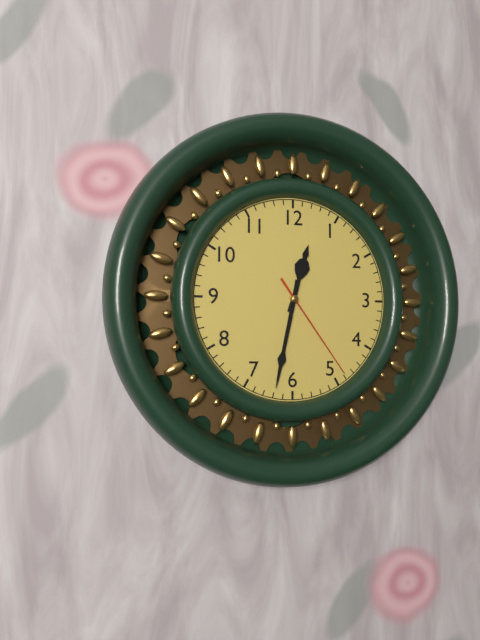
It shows **12:32:24**
